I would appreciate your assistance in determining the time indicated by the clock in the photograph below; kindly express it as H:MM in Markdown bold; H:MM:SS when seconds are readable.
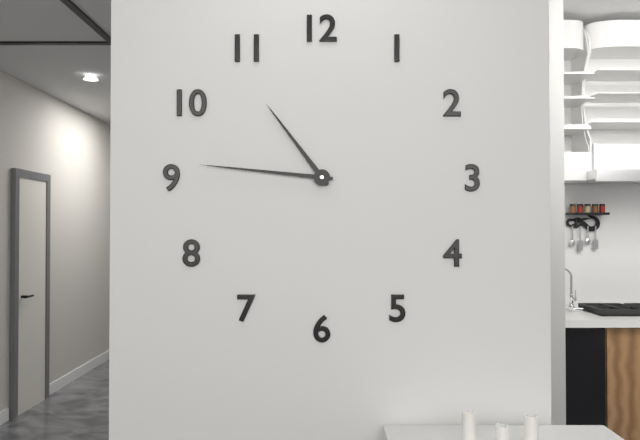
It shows **10:46**
